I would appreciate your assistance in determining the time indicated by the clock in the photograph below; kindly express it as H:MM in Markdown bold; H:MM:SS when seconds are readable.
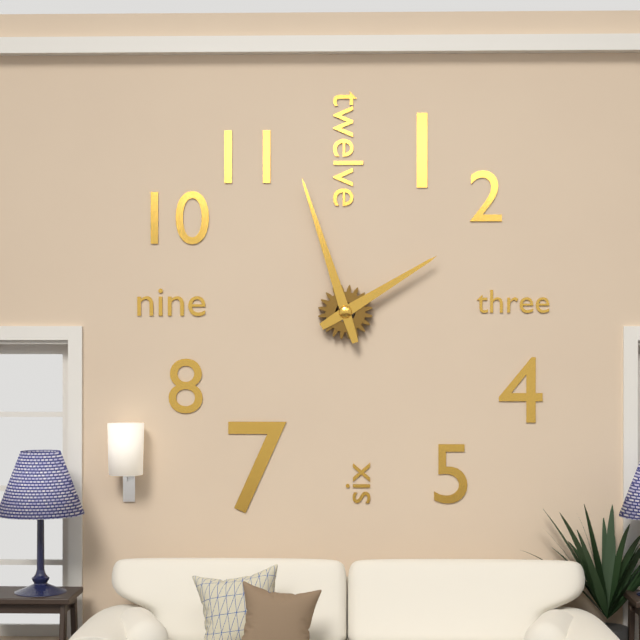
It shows **1:57**
